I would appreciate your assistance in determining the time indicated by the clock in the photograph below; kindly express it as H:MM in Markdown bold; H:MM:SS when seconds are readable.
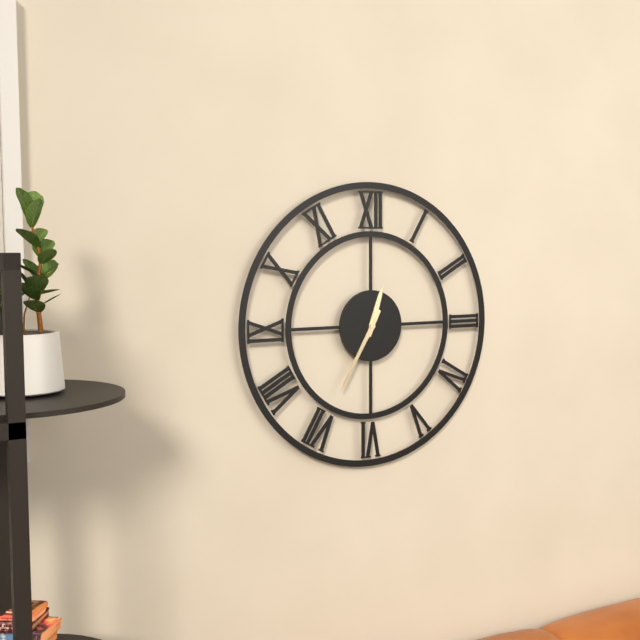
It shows **12:35**
